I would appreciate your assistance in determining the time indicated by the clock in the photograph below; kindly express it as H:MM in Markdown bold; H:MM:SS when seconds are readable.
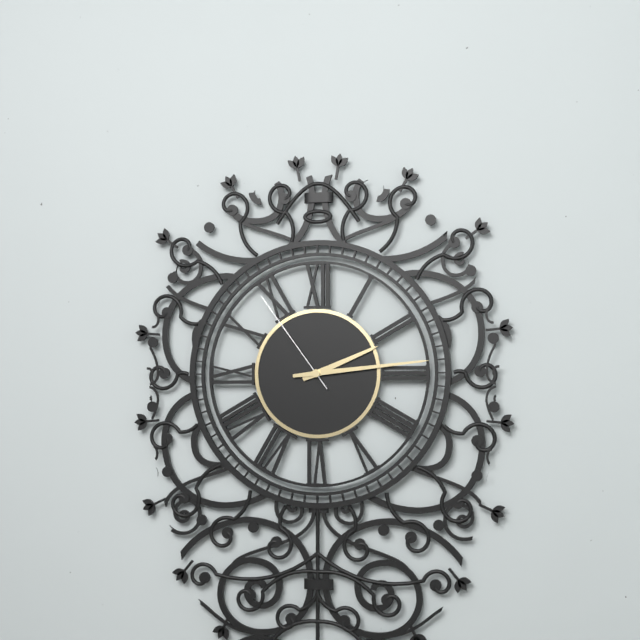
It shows **2:14:54**
